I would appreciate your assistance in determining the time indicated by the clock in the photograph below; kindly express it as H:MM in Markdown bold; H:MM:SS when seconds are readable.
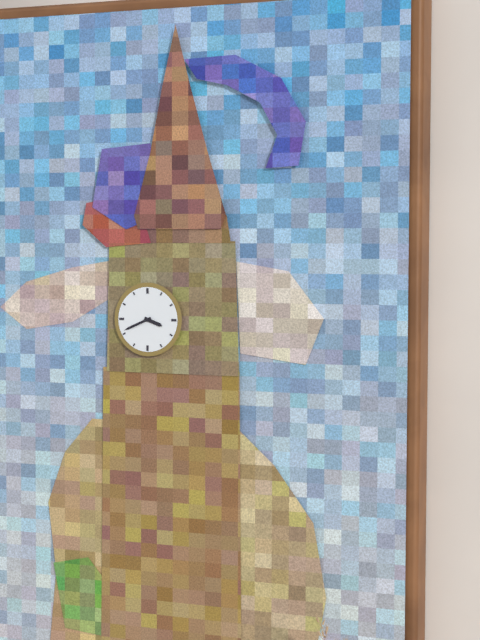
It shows **3:41**
